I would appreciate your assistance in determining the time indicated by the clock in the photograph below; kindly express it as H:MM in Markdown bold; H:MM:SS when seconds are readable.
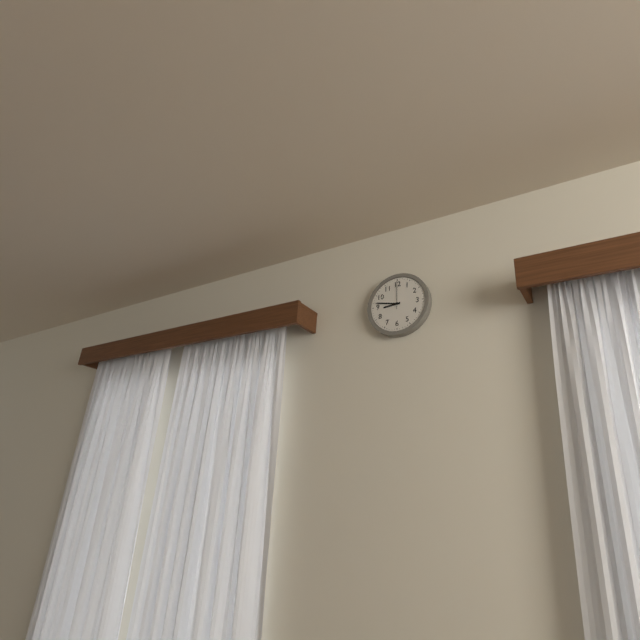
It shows **8:47**
